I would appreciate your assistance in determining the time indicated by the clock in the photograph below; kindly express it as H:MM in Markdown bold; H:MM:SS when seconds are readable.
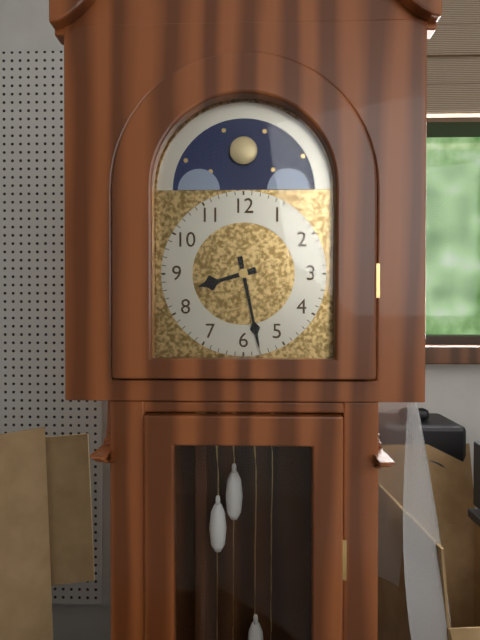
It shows **8:28**
